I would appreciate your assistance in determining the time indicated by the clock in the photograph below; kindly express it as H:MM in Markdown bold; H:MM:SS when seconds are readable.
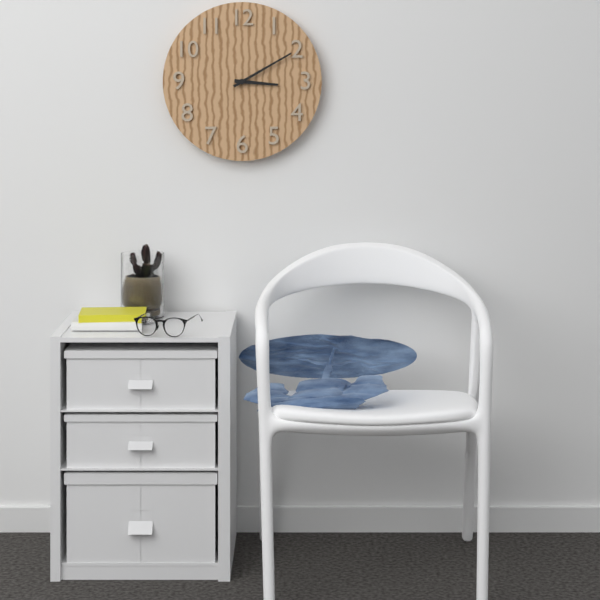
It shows **3:10**
